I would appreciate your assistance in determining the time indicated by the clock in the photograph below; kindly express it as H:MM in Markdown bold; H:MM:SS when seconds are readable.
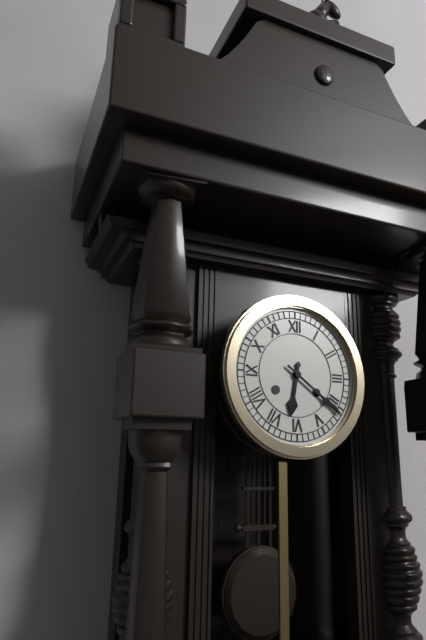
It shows **6:21**
